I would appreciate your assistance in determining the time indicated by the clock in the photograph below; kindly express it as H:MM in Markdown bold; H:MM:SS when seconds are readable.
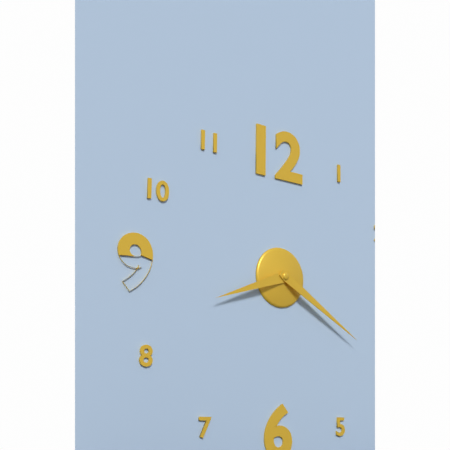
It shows **8:20**
